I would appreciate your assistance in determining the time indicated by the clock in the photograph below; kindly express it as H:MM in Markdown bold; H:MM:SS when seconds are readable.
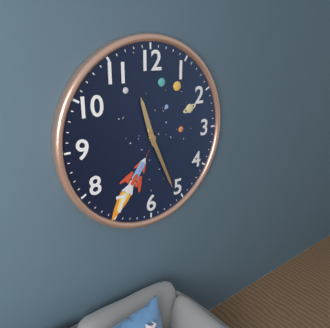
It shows **11:26**
